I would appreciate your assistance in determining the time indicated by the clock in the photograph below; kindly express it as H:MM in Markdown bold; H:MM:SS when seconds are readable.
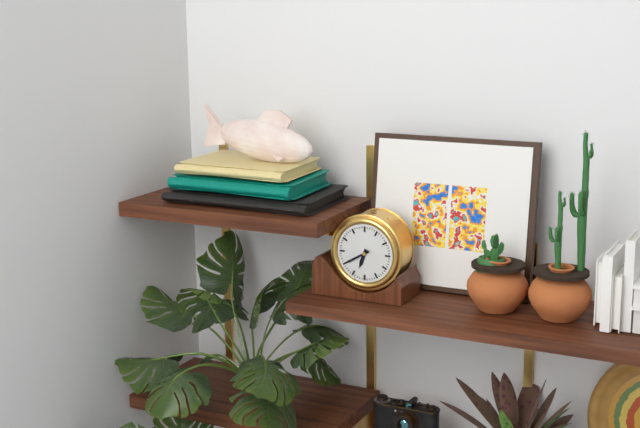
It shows **6:40**
